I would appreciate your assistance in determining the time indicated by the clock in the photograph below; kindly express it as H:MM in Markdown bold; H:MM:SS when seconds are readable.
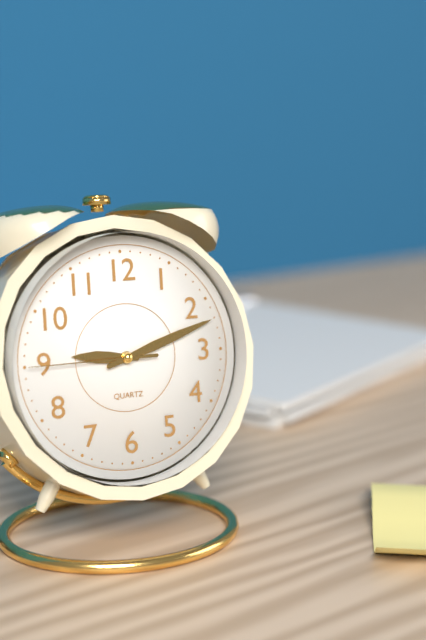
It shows **9:12:45**
